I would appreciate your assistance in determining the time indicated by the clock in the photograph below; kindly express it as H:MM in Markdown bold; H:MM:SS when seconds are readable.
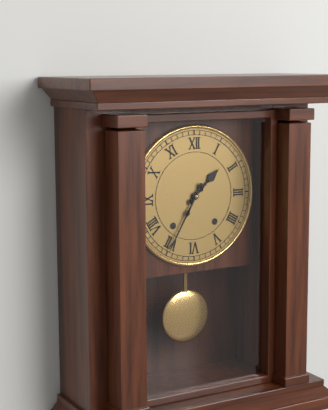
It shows **1:35**
